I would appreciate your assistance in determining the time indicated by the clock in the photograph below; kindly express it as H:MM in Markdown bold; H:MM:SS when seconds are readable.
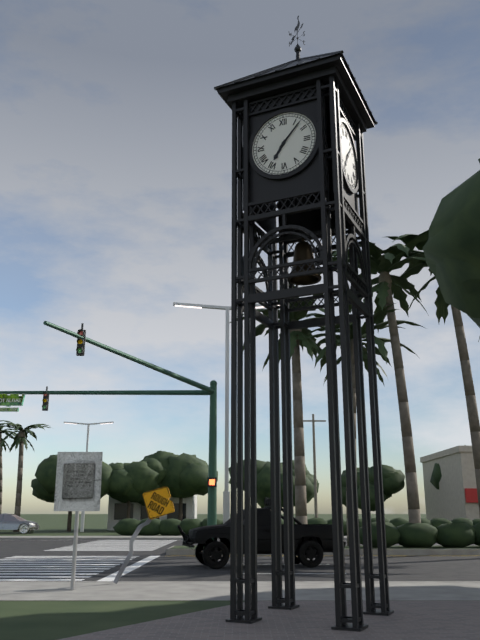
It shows **7:07**
